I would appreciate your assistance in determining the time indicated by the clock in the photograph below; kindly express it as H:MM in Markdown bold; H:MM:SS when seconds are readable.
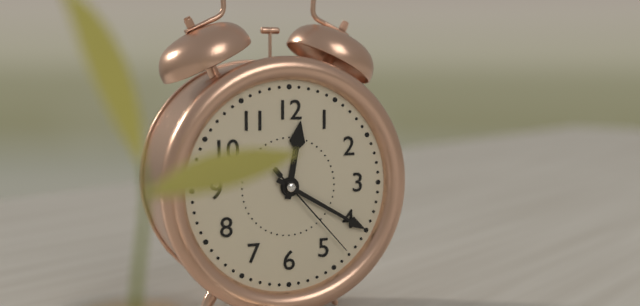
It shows **12:20:23**
